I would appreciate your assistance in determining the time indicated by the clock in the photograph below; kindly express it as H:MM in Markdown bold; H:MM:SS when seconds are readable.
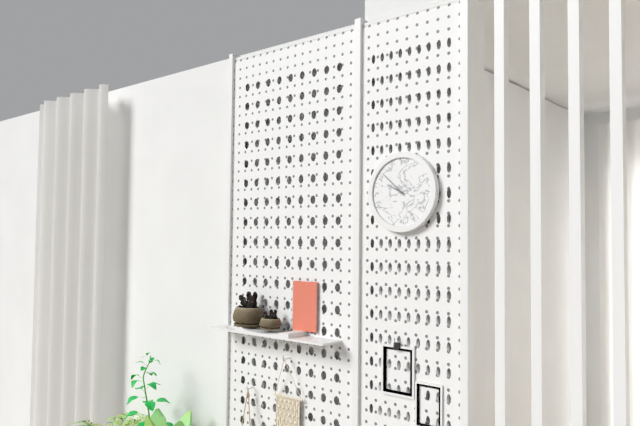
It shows **9:52**
